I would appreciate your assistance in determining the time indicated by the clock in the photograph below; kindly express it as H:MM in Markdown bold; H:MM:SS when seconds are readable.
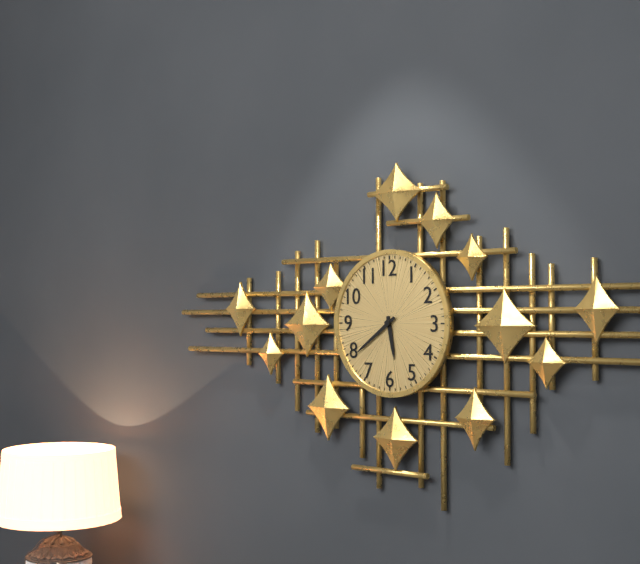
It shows **5:39**
